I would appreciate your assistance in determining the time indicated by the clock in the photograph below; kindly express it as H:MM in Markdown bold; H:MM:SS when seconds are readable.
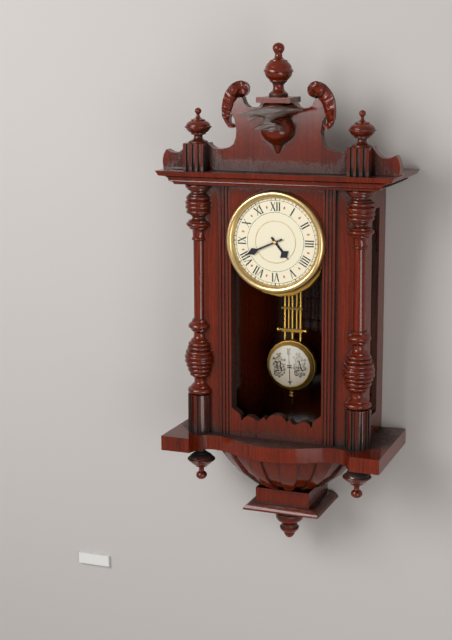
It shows **4:41**
